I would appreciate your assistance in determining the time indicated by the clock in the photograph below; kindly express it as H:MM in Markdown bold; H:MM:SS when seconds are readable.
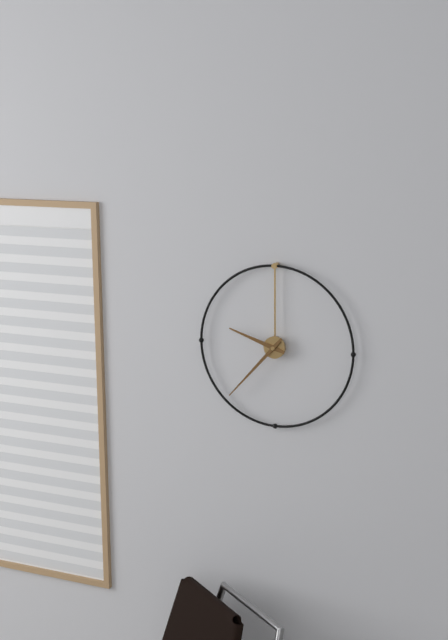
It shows **9:37**
